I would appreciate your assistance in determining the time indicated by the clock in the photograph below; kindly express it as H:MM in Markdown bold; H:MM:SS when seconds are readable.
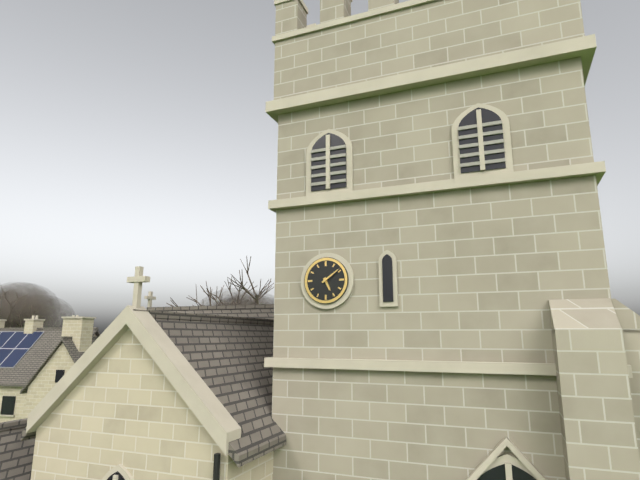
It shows **5:09**
